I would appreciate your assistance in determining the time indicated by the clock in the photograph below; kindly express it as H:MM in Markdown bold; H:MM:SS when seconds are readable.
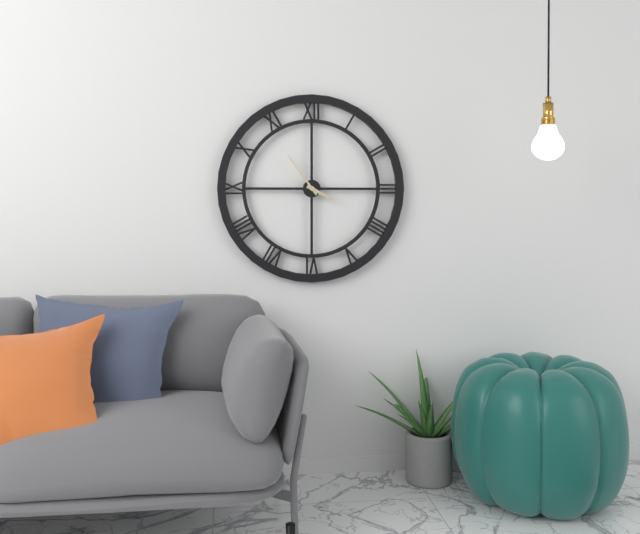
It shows **3:54**
